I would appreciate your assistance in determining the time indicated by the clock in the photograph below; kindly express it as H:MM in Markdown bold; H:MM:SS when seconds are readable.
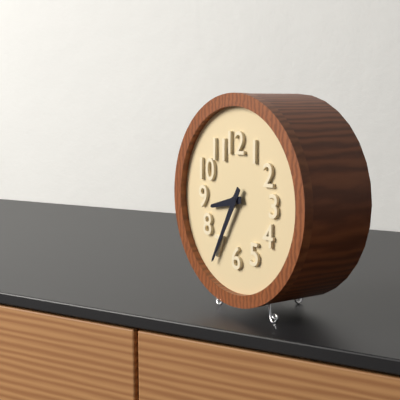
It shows **8:35**
